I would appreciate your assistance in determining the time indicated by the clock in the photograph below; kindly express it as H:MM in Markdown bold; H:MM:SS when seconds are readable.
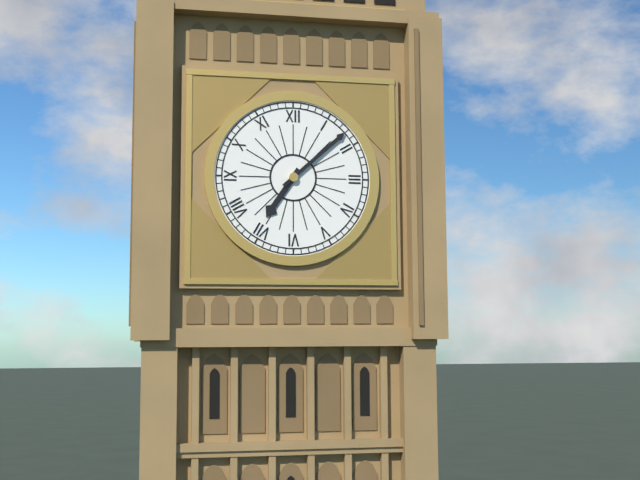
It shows **7:08**
